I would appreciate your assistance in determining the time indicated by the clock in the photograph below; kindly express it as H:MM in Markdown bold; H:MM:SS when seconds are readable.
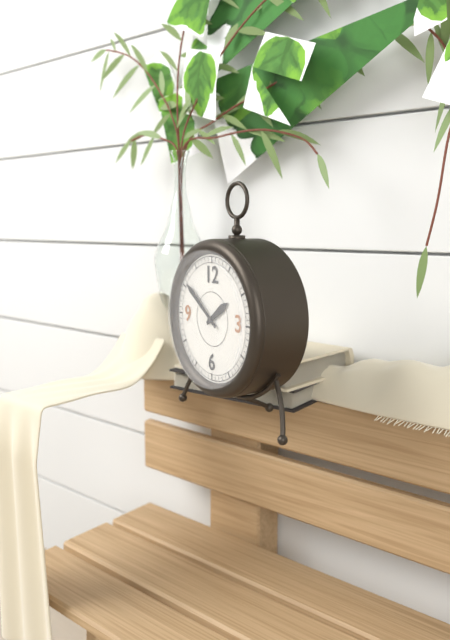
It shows **1:51**
